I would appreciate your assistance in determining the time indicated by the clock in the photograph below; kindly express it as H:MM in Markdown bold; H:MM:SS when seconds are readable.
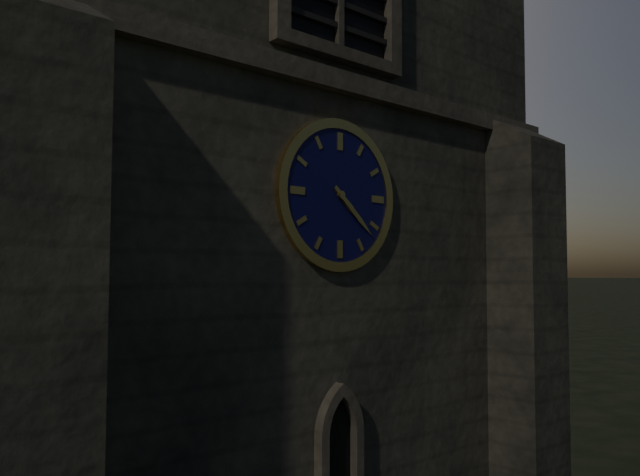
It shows **4:22**
